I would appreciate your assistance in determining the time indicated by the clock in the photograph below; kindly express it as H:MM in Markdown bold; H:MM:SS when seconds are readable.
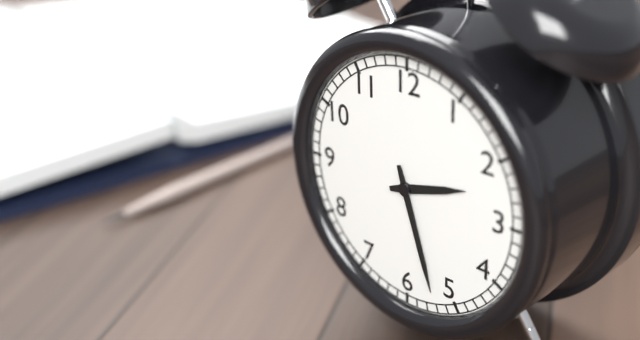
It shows **2:27**
